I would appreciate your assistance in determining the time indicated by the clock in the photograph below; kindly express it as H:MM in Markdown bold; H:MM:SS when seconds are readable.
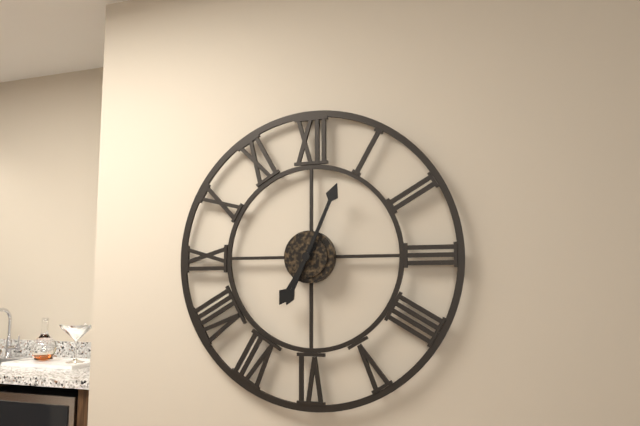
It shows **7:04**
